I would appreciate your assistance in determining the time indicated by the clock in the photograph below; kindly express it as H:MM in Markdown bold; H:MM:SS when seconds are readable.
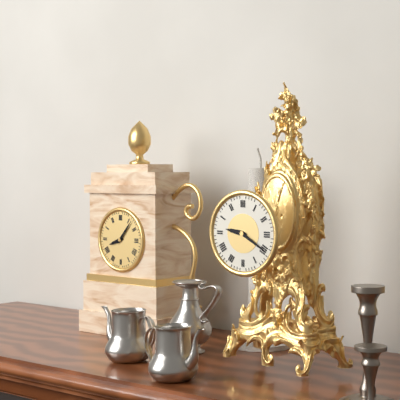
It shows **9:20**
